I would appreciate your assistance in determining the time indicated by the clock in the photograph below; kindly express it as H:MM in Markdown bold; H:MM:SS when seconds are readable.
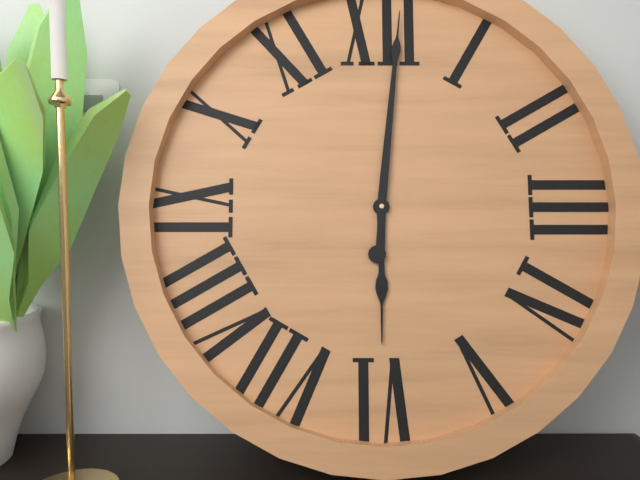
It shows **6:01**
